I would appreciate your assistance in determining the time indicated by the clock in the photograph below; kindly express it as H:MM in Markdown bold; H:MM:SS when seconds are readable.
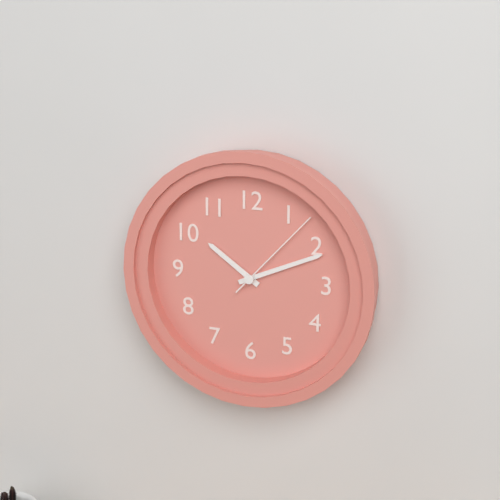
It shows **10:11:07**
